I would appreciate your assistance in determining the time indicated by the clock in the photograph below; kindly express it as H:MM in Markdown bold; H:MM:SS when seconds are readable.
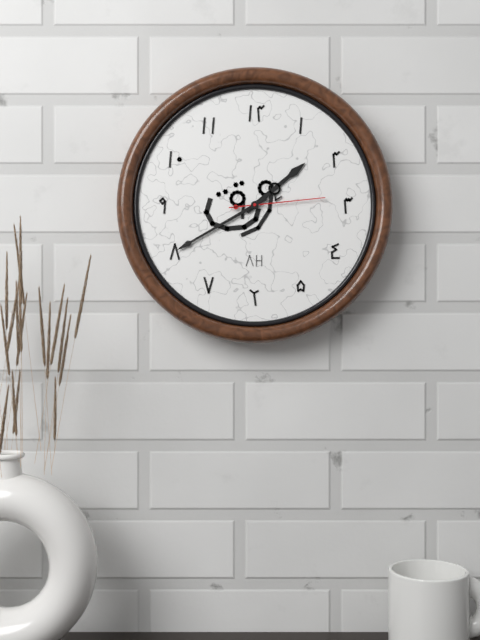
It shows **1:40:14**
